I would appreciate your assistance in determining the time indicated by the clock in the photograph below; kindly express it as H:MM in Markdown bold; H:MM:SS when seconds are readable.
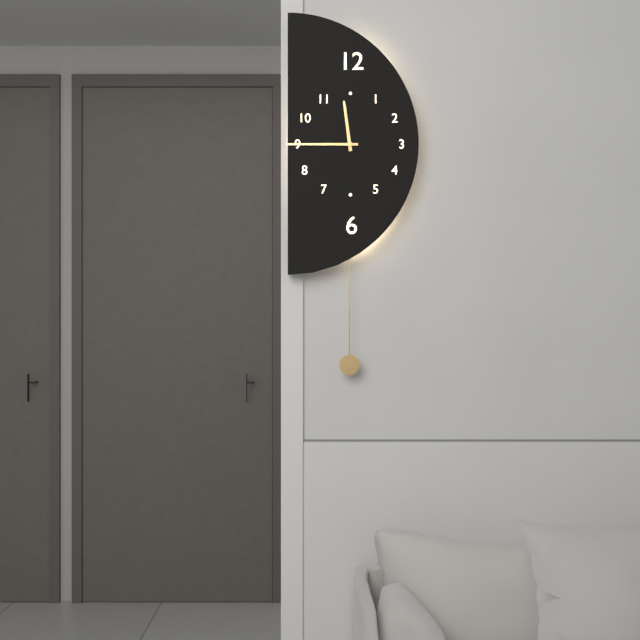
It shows **11:45**
